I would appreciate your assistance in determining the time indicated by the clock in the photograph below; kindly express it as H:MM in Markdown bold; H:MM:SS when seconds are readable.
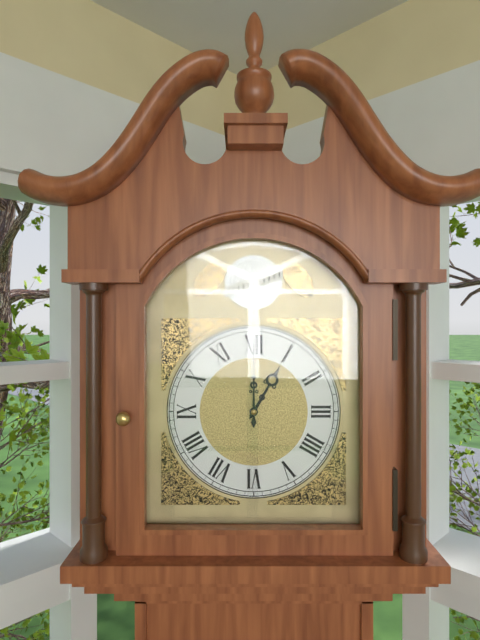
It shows **1:00**
